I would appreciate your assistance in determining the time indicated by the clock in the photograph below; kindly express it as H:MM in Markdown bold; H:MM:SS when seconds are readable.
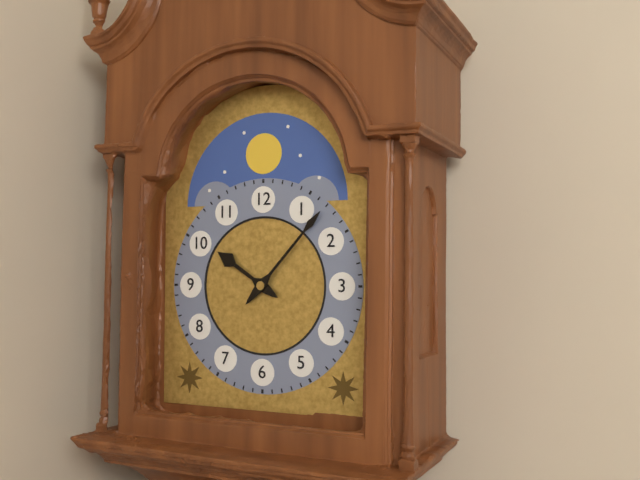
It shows **10:07**
